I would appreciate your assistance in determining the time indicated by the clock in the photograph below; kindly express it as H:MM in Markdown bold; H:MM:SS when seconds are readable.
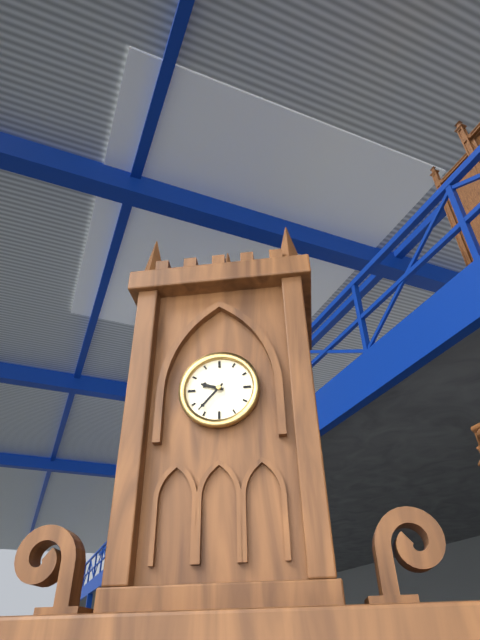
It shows **9:37**
